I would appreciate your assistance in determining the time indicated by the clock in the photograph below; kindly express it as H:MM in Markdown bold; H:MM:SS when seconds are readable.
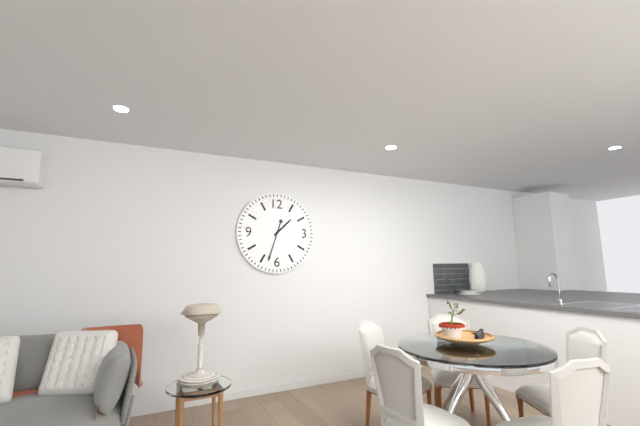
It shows **1:33**
